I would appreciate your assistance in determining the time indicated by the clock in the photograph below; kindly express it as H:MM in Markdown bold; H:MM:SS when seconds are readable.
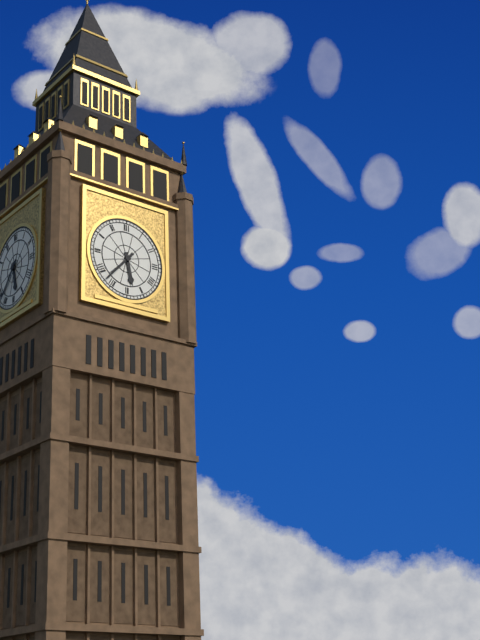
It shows **5:37**
